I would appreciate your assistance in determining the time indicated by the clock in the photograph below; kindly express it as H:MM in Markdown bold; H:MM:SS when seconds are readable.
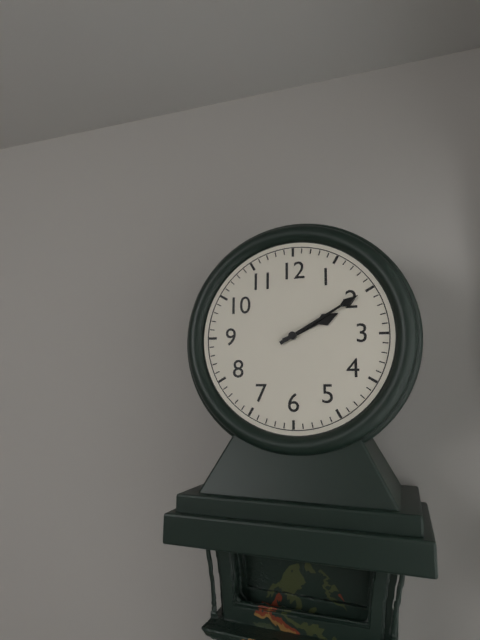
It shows **2:10**
